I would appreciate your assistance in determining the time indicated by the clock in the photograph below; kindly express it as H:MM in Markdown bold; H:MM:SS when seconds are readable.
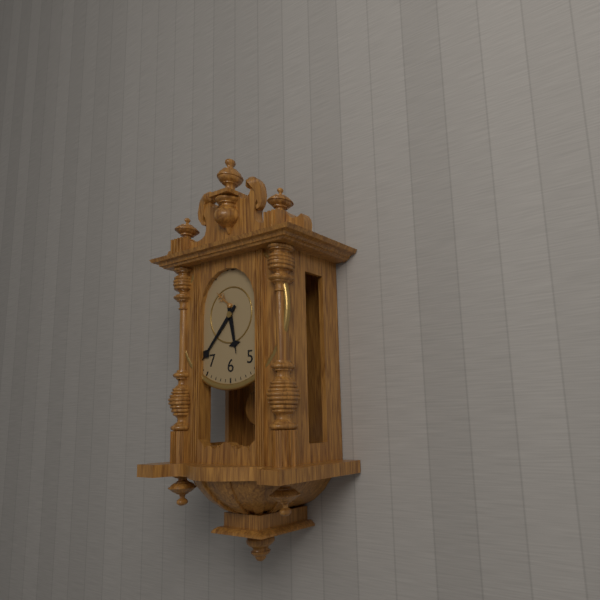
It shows **5:37**
